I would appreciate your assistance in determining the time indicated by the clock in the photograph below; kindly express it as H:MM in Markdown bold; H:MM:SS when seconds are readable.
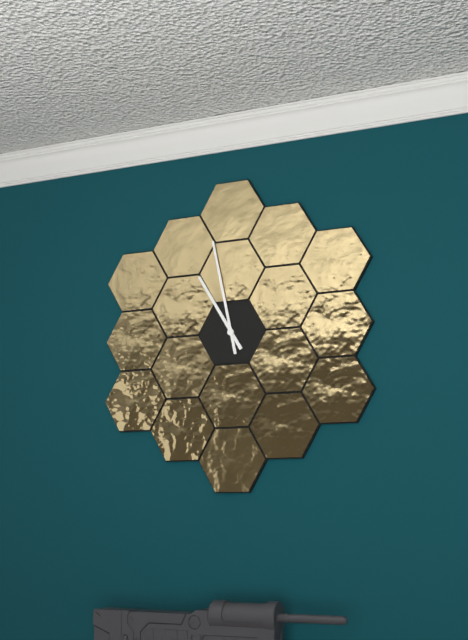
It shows **10:58**
